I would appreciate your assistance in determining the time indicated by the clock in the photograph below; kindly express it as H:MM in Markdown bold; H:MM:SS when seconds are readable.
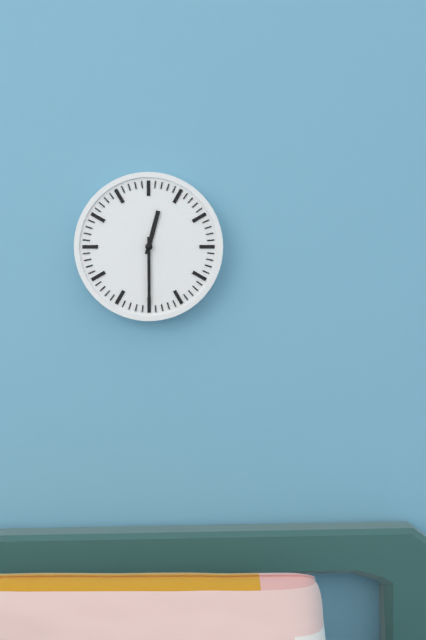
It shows **12:30**
